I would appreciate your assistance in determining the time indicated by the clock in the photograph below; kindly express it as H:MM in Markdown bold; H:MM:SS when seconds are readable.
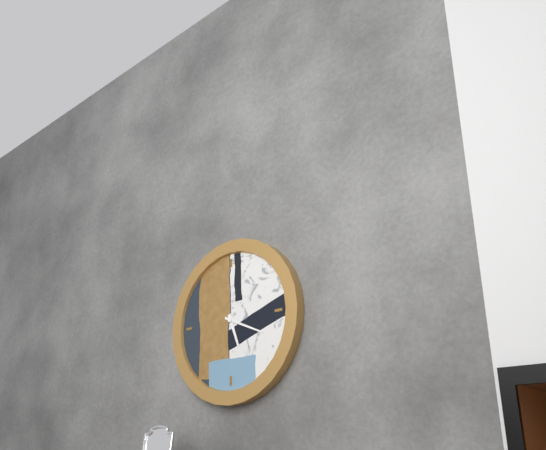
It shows **5:19**
